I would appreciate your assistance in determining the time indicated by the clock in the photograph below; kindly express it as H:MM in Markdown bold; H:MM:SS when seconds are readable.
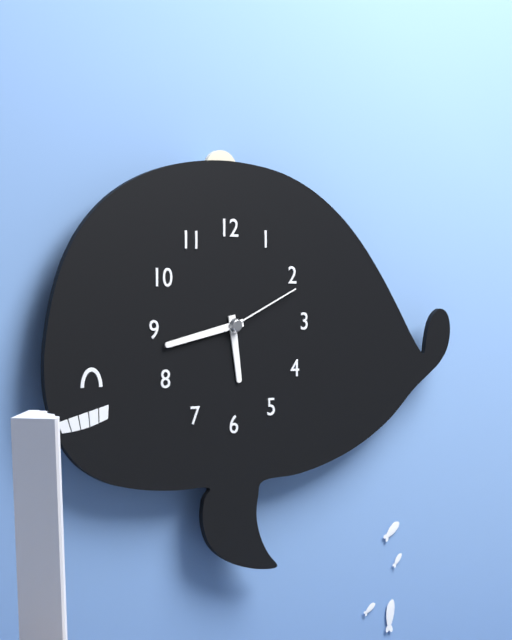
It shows **5:43:11**
